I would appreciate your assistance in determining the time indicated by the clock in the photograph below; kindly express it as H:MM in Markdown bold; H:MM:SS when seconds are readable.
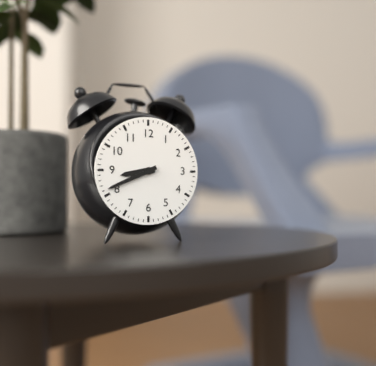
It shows **8:41**
